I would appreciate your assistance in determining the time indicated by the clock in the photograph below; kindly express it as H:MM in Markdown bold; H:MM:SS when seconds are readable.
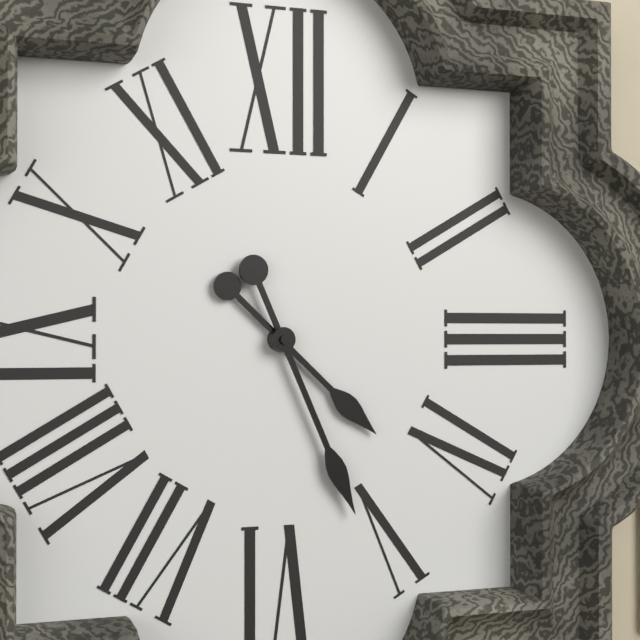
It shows **4:26**
